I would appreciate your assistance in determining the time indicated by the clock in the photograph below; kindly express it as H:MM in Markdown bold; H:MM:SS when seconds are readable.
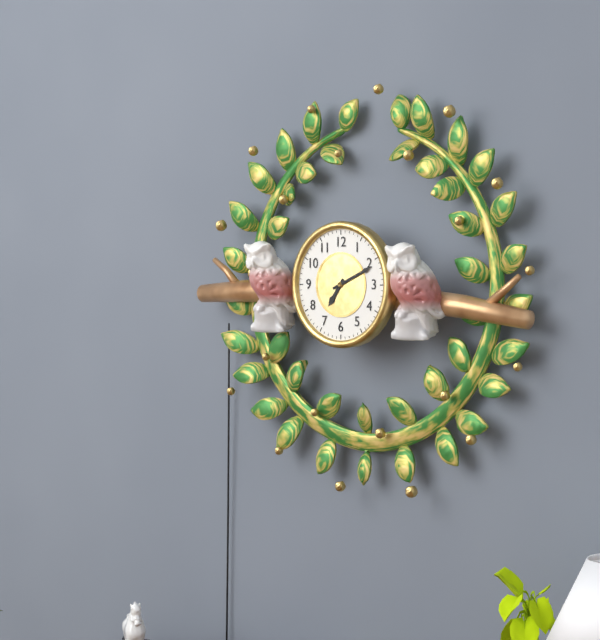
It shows **7:11**
